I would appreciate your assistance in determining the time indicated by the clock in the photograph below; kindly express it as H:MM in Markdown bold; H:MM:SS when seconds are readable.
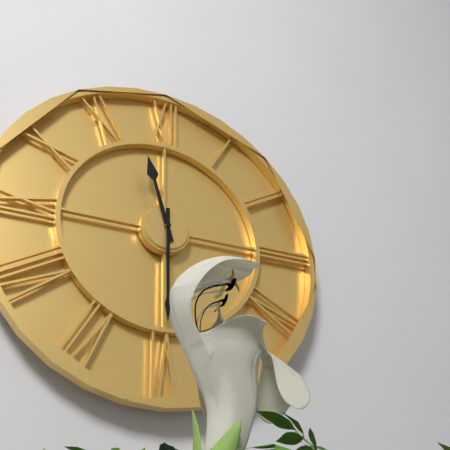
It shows **11:30**
